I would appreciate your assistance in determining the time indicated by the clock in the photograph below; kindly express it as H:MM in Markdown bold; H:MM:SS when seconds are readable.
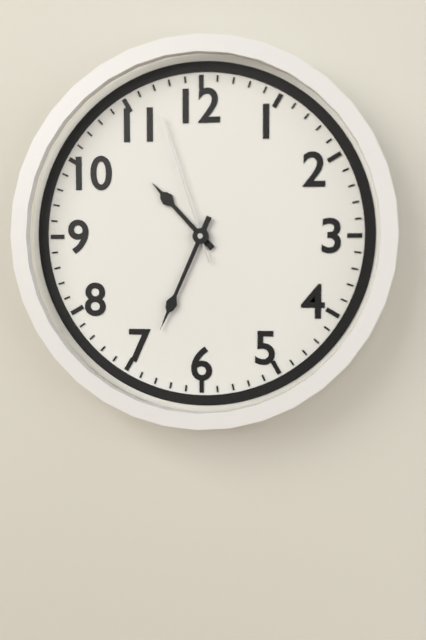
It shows **10:34:57**
